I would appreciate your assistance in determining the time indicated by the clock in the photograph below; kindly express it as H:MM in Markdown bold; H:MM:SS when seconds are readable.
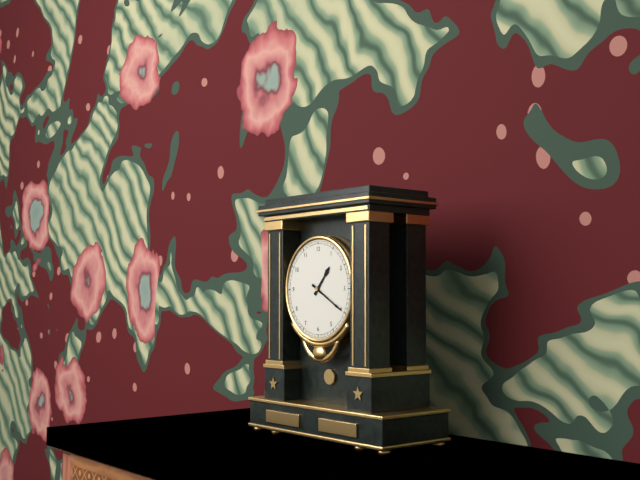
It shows **1:20**
